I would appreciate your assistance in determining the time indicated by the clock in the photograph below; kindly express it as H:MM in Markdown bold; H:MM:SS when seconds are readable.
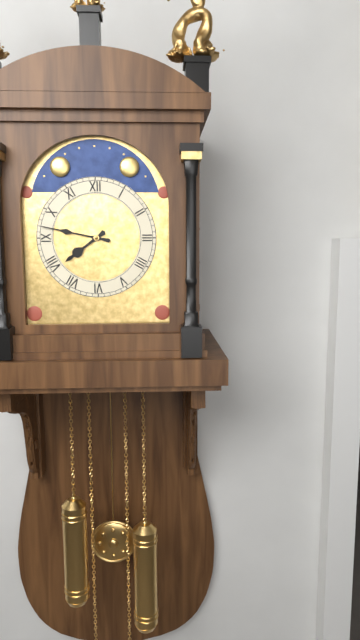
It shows **7:47**
